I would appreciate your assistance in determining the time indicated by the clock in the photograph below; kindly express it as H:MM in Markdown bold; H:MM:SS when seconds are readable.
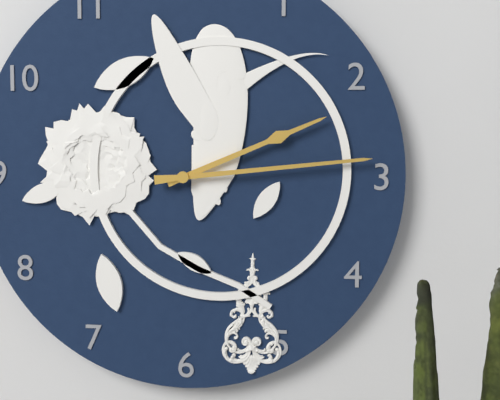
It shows **2:14**
